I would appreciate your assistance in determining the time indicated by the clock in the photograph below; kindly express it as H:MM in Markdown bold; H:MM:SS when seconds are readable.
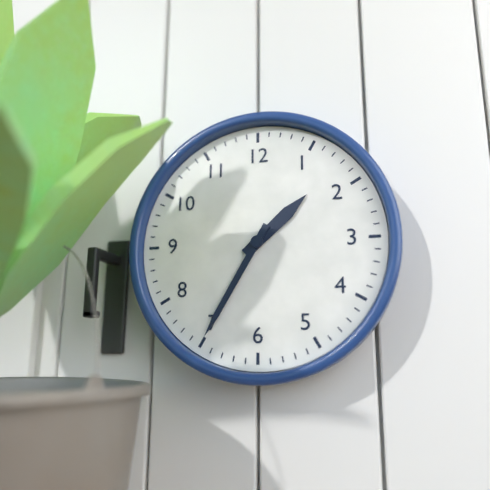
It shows **1:35**
